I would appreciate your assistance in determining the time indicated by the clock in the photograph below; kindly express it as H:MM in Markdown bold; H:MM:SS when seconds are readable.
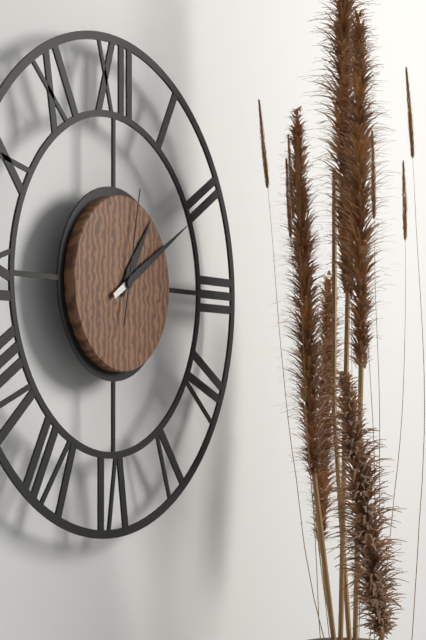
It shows **1:10:02**
